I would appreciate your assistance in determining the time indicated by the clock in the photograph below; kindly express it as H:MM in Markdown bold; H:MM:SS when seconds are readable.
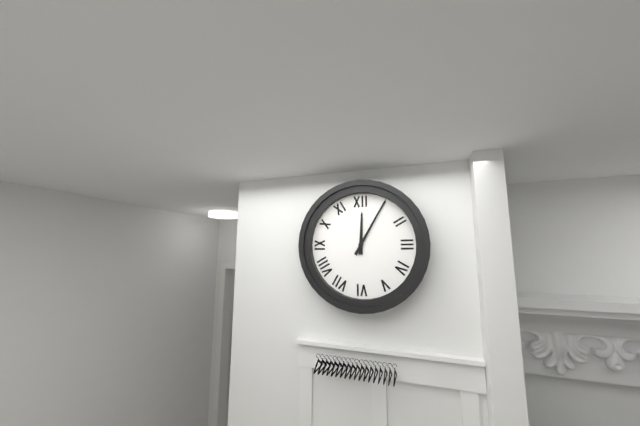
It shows **12:05**
